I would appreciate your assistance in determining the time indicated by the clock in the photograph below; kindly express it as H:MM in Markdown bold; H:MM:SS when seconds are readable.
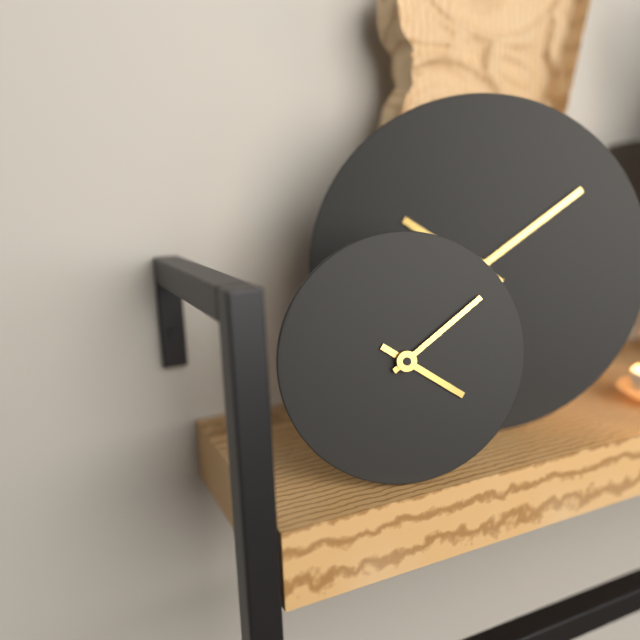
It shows **4:09**
